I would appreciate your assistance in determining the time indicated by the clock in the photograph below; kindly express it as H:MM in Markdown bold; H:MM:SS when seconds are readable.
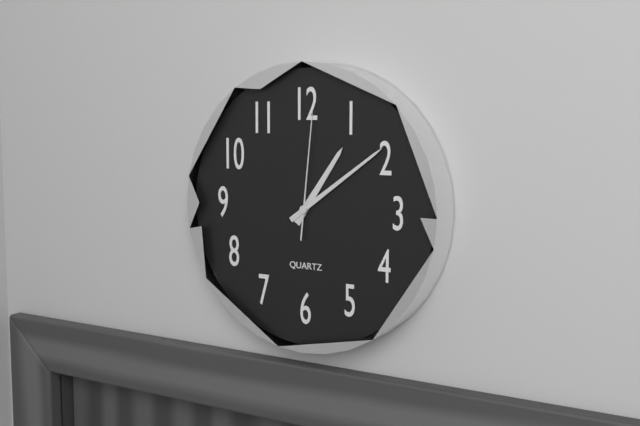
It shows **1:09:01**
